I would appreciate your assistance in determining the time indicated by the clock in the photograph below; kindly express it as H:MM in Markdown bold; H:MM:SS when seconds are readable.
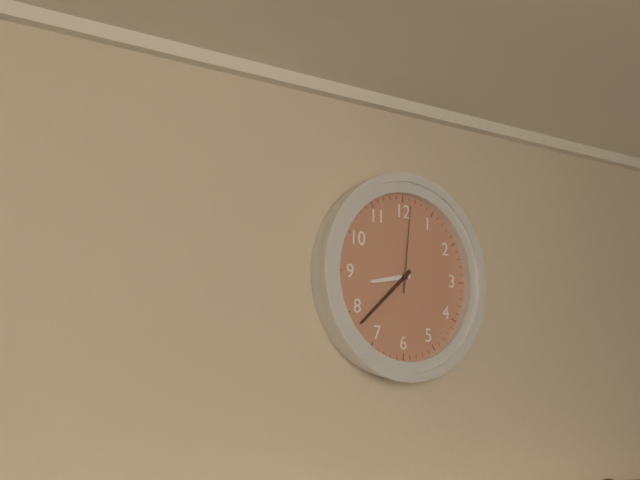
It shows **8:38:01**
